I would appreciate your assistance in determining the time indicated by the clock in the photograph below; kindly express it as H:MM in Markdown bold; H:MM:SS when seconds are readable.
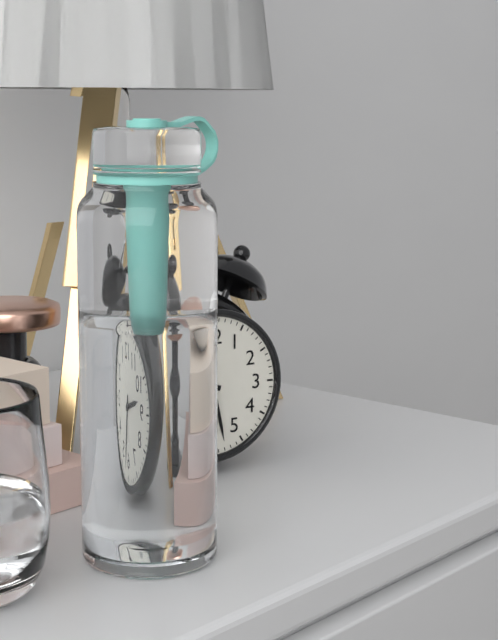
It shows **9:28**
